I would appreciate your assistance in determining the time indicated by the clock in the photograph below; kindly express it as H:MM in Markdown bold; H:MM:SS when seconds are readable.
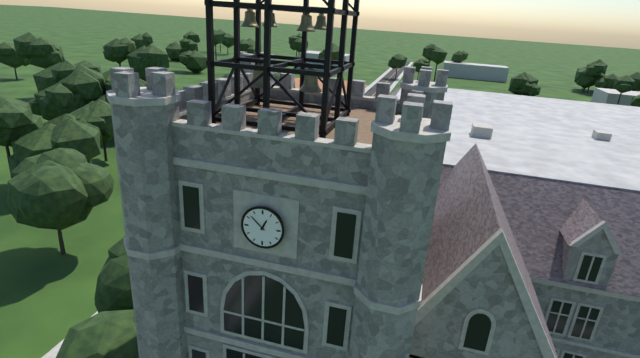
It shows **12:52**
